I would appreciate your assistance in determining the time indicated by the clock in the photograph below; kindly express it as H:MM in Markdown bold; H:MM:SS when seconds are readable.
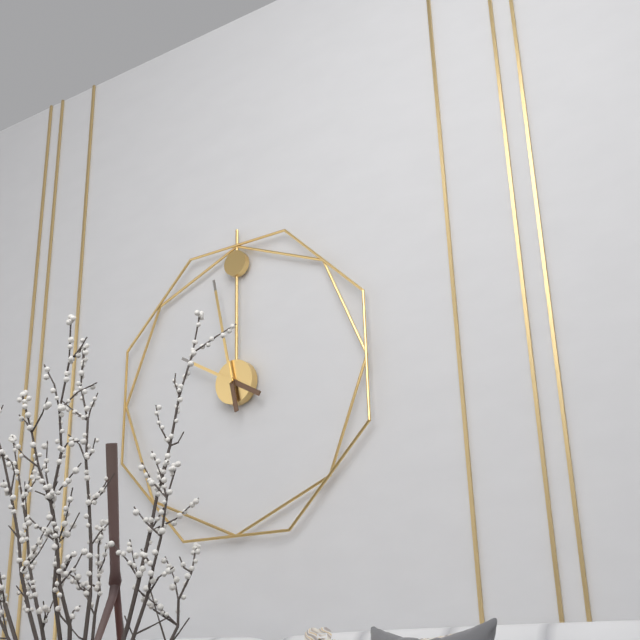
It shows **9:58**
